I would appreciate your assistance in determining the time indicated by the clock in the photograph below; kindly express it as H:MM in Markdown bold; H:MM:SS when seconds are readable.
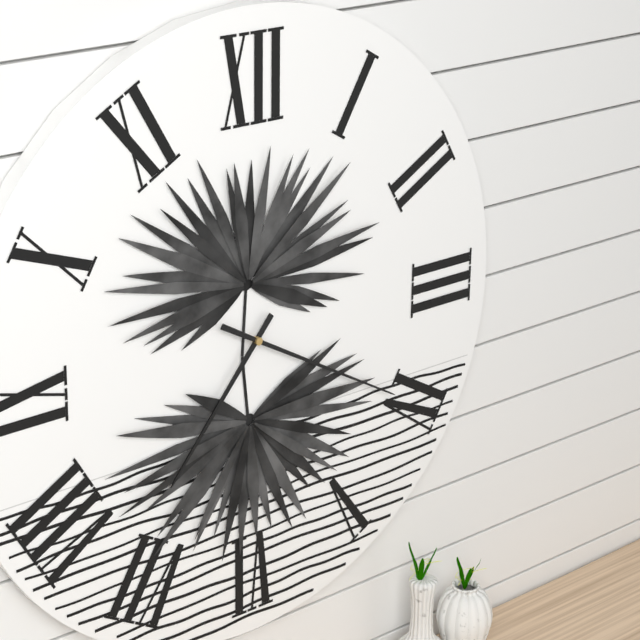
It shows **7:20**
